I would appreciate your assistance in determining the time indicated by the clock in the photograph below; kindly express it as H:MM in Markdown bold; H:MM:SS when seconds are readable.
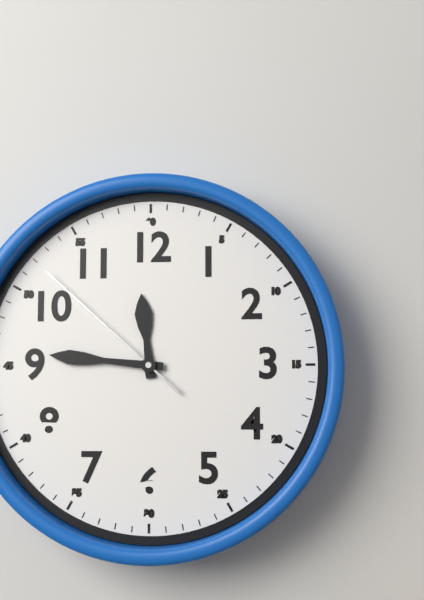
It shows **11:46:52**
